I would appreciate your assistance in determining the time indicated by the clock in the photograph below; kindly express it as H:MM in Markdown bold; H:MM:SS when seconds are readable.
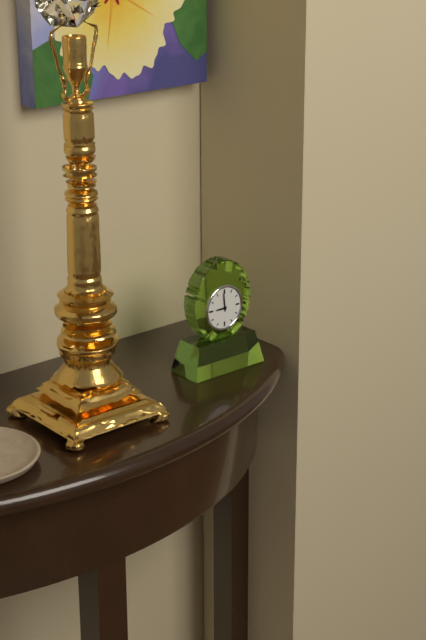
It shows **8:59**
